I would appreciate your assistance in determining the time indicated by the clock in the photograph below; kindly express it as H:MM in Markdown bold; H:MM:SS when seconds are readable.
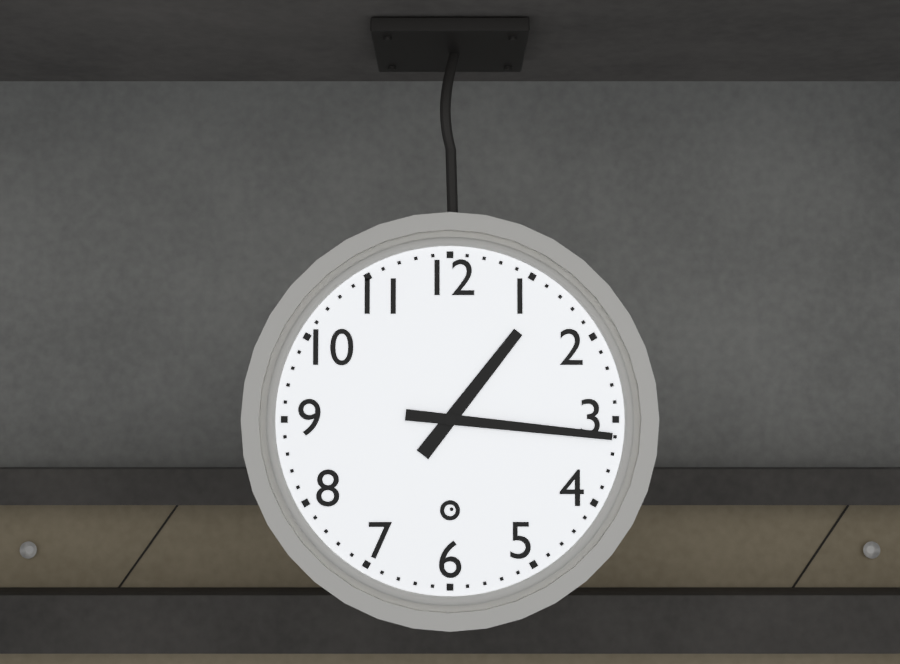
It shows **1:16**
